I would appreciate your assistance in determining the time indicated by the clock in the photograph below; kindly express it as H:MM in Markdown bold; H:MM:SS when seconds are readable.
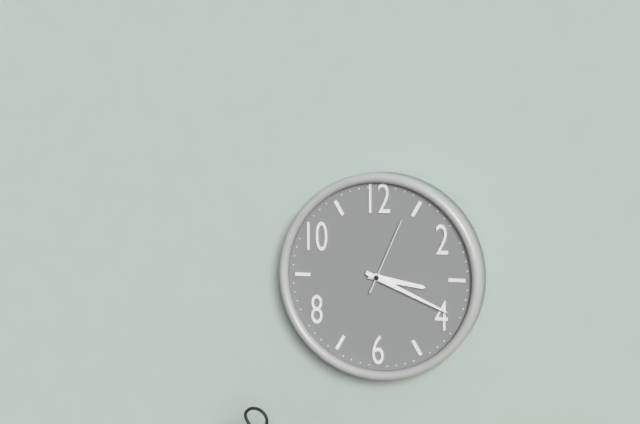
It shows **3:19:04**
